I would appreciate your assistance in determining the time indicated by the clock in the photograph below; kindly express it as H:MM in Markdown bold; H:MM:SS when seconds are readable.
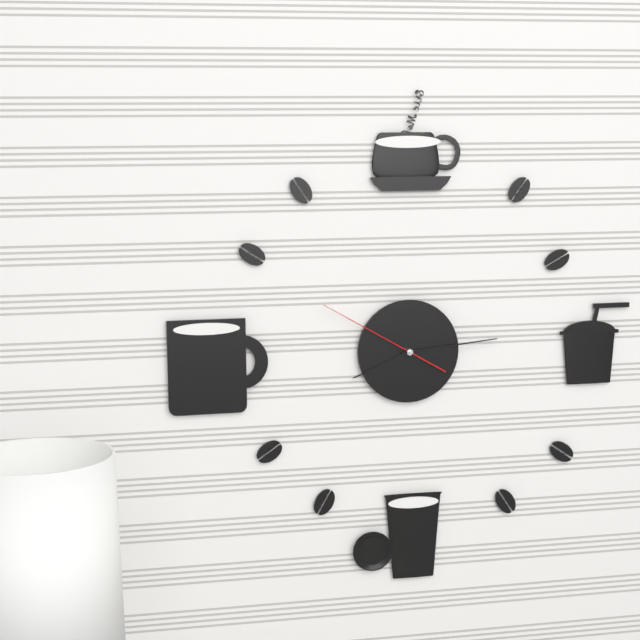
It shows **8:14:50**
